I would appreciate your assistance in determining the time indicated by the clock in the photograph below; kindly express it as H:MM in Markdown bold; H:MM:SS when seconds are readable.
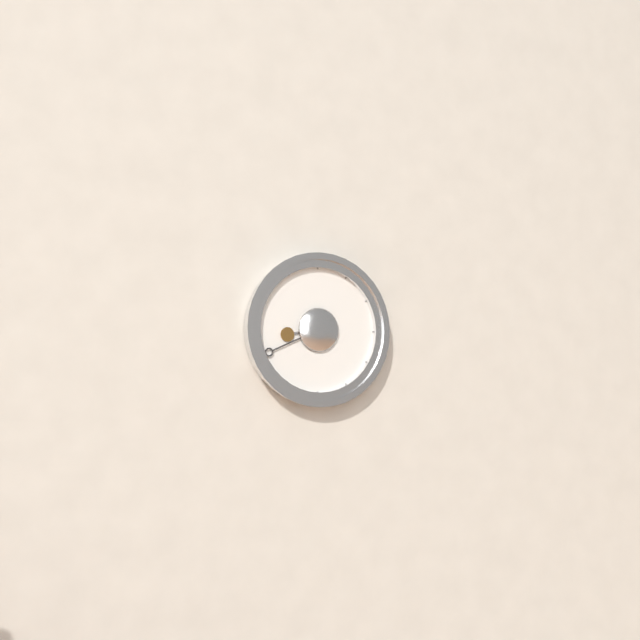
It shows **8:41**
